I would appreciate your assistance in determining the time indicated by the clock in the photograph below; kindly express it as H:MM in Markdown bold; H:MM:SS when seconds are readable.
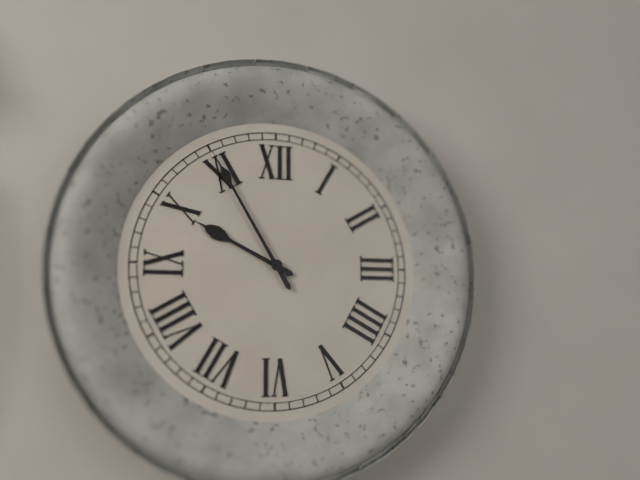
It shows **9:55**
